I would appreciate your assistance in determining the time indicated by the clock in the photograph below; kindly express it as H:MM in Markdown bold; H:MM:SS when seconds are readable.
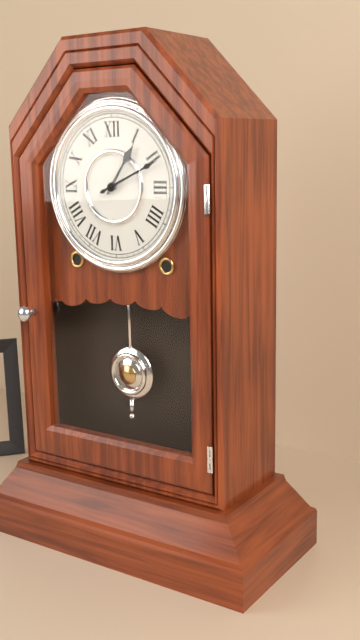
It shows **1:11**
